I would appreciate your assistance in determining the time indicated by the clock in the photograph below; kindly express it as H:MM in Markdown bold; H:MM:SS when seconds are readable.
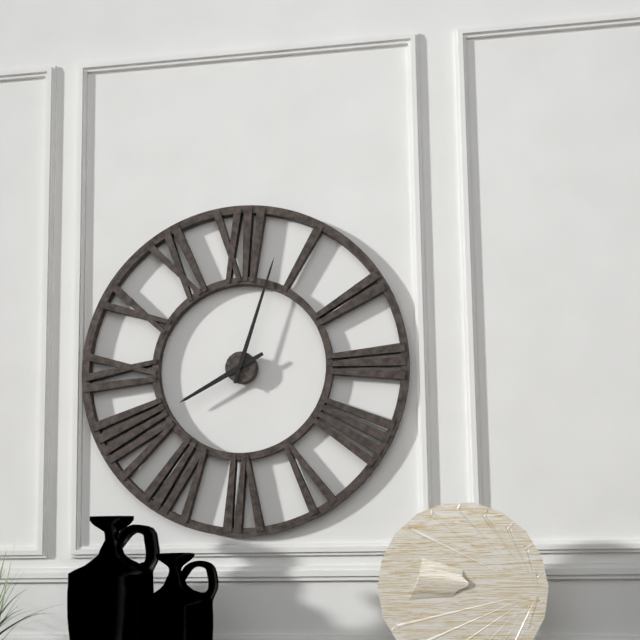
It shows **8:03**
